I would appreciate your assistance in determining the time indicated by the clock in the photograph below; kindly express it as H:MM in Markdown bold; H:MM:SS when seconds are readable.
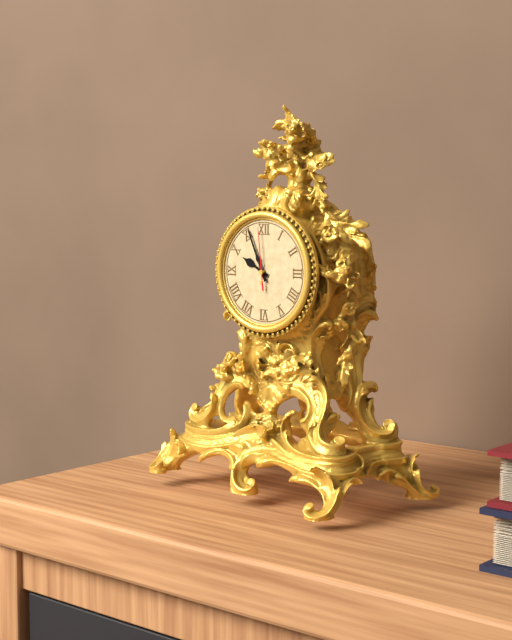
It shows **9:56:59**
